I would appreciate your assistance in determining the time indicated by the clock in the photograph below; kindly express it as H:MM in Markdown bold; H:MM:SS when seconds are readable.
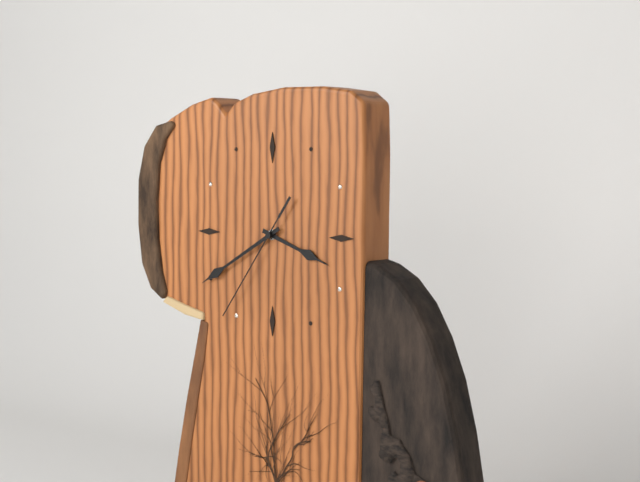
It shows **3:40:36**
